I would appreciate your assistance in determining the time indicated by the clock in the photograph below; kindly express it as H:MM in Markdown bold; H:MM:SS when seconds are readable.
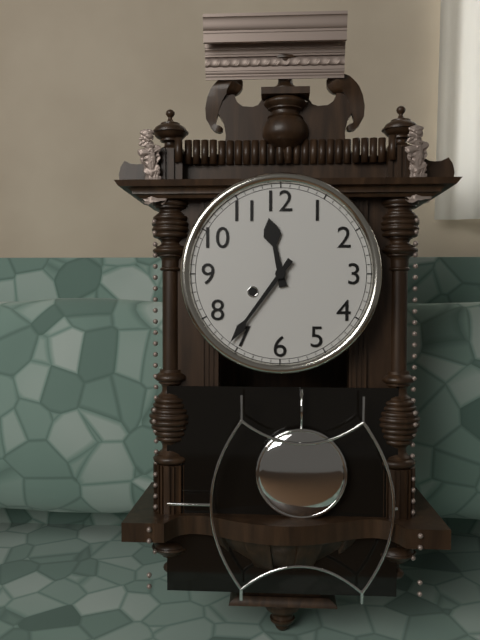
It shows **11:36**
